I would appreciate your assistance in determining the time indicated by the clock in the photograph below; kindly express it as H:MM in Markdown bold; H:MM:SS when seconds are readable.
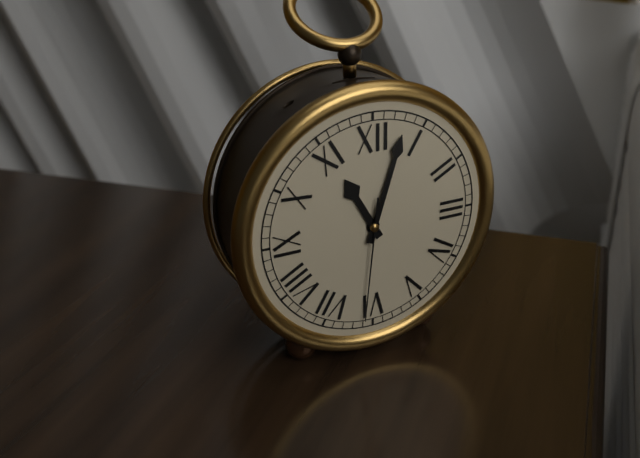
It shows **11:03:31**
